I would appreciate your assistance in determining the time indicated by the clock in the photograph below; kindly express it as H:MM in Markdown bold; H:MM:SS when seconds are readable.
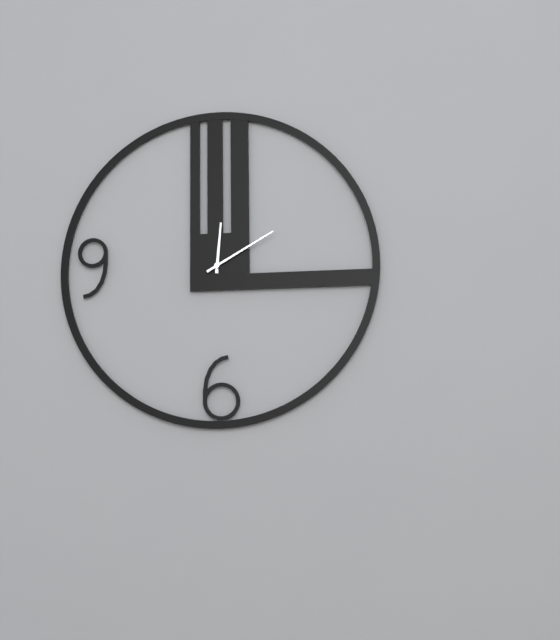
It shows **12:10**
